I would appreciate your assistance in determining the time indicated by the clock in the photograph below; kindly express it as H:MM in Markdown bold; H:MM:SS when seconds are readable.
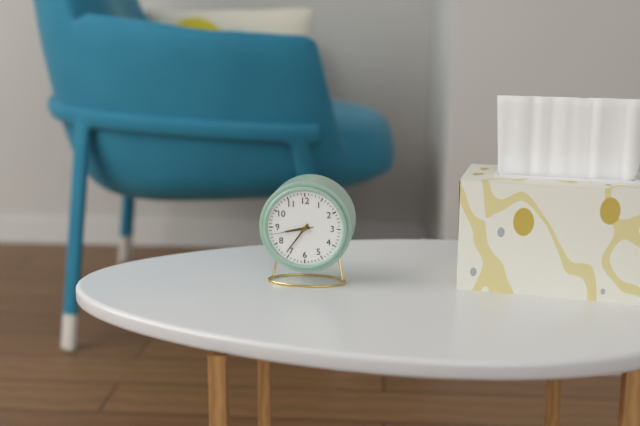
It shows **8:36**
